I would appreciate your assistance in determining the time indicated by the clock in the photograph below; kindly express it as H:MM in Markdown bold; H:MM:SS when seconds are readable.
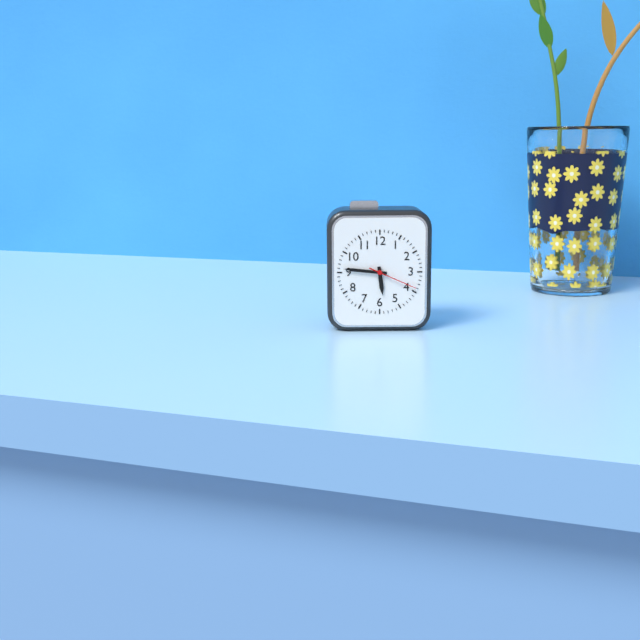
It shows **5:46**
